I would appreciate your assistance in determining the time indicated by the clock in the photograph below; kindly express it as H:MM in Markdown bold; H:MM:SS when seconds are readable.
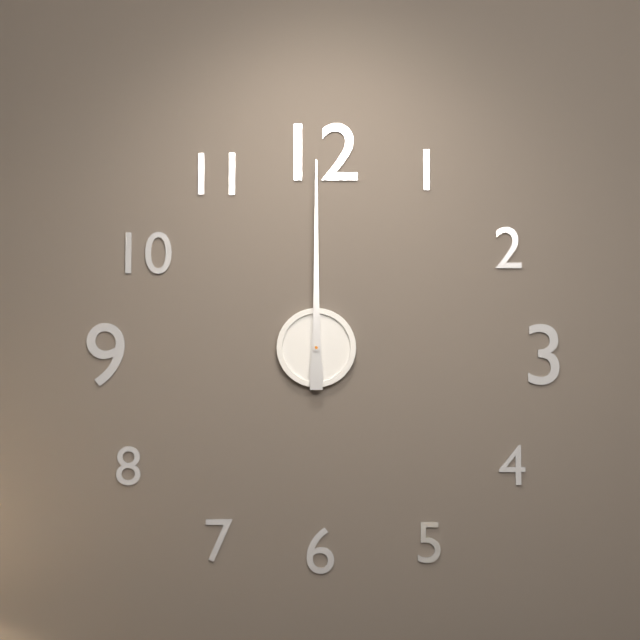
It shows **12:00**
